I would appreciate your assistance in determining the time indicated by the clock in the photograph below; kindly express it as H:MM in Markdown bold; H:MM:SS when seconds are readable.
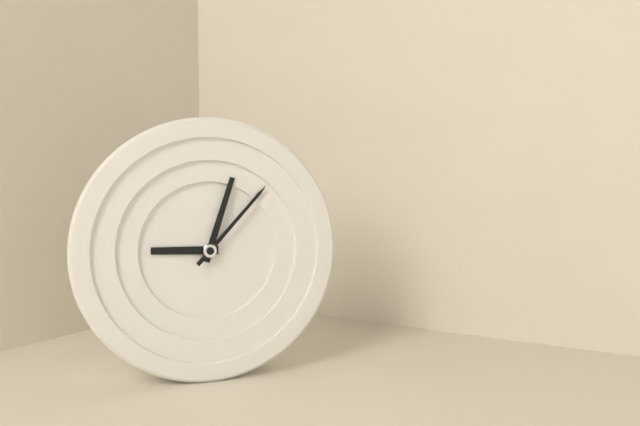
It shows **9:03:07**
